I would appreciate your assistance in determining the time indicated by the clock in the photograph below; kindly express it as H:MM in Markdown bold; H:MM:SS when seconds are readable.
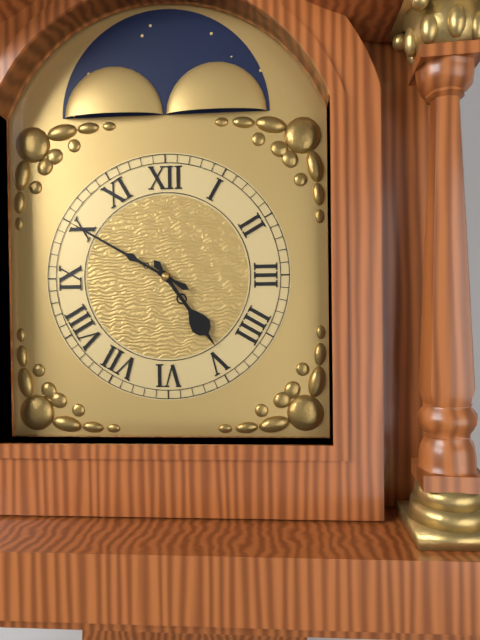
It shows **4:50**
